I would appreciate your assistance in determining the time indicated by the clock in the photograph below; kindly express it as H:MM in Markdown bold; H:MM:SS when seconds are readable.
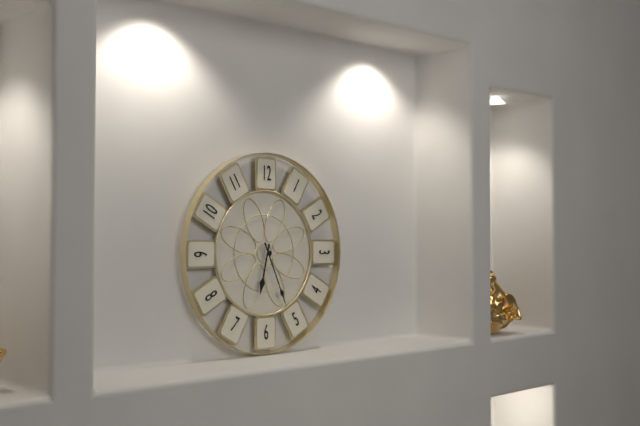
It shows **6:26**
